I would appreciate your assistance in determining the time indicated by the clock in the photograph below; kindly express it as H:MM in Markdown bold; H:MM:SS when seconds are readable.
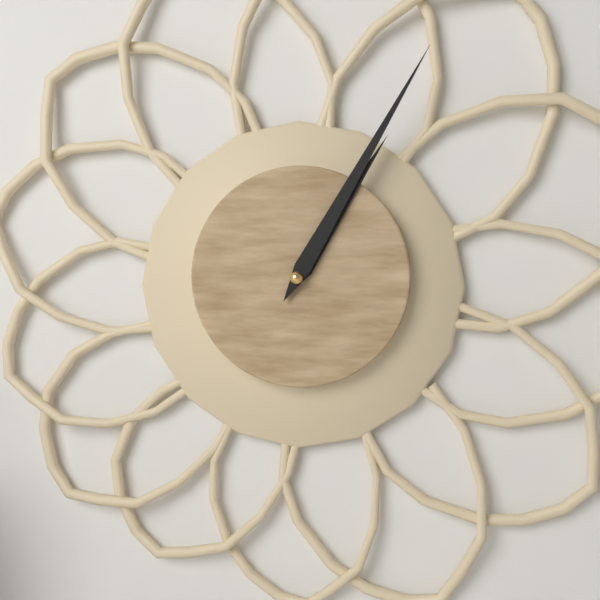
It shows **1:05**
